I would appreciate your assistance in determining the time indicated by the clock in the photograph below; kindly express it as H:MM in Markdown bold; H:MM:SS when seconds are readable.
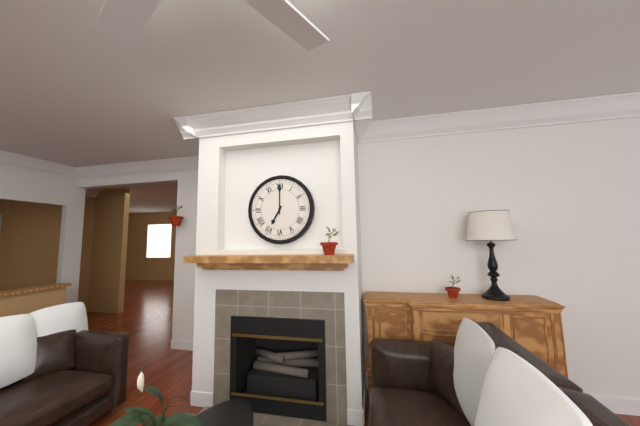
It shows **7:00**
